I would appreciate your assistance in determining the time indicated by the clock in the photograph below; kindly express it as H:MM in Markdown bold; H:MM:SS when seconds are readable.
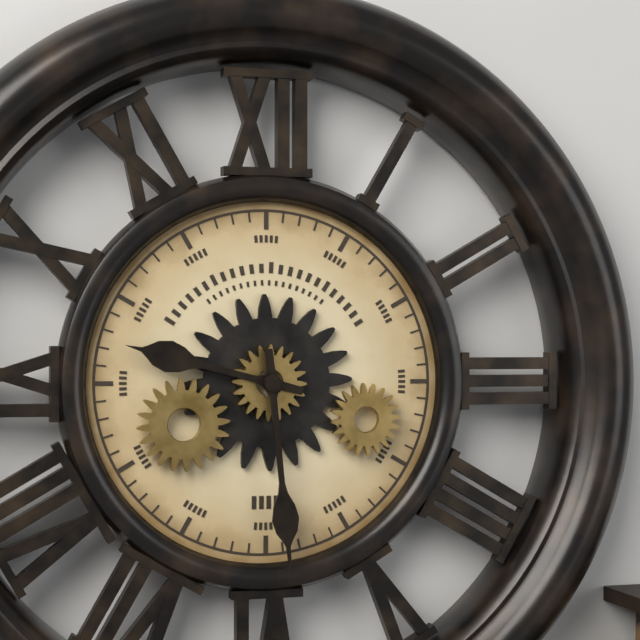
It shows **9:29**
